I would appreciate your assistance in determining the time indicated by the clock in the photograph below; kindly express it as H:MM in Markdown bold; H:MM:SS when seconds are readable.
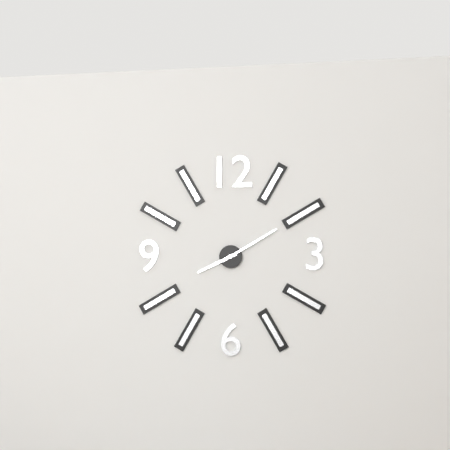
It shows **8:10**
